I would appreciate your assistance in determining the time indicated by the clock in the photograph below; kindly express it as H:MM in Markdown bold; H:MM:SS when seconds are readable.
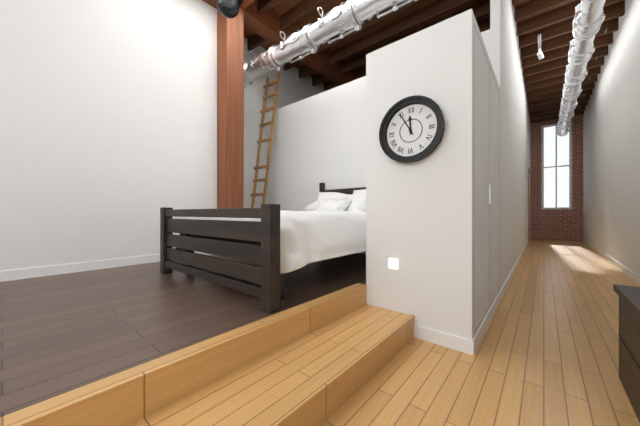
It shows **11:55**
